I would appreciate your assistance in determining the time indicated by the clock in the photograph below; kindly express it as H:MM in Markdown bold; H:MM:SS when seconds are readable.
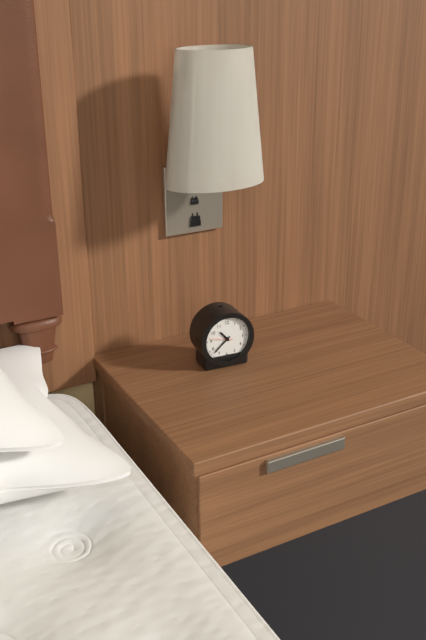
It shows **10:38**
